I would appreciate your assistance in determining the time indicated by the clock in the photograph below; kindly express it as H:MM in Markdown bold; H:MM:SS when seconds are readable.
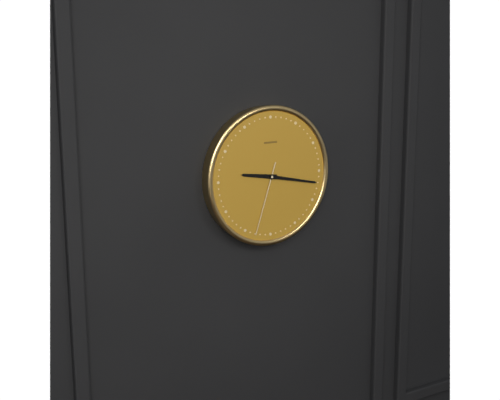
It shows **9:17:33**
